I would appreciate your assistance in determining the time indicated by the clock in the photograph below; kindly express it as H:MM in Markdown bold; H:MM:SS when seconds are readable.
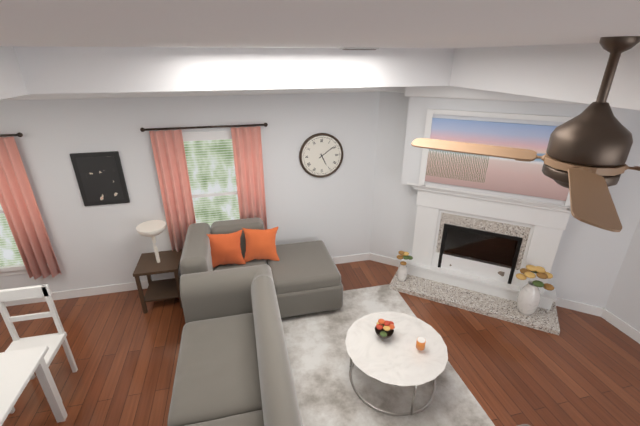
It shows **5:09**
